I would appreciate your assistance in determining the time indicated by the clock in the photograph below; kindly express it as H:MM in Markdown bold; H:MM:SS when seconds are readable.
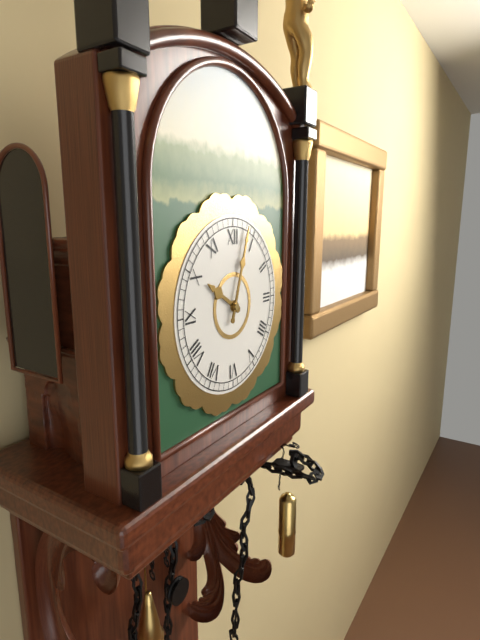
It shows **10:03**
